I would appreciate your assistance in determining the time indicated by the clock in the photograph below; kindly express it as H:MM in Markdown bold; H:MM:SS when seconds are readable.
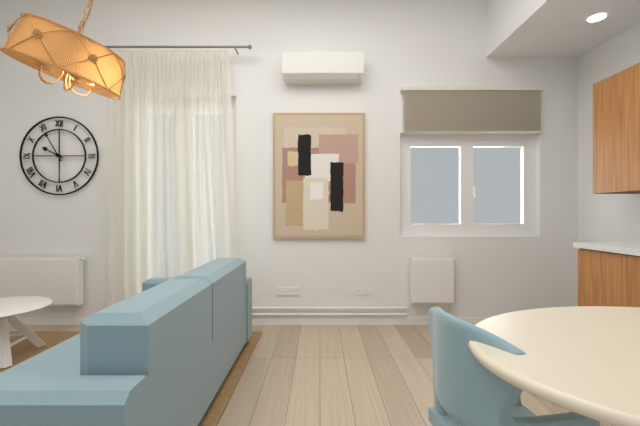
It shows **9:55**
